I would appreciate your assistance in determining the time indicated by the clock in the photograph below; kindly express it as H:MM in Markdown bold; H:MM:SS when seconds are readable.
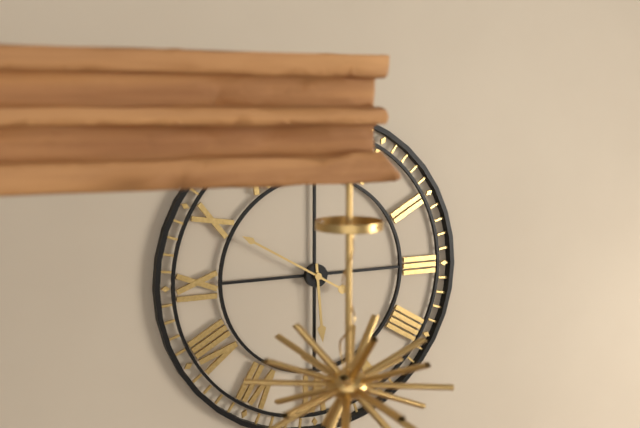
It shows **5:50**
